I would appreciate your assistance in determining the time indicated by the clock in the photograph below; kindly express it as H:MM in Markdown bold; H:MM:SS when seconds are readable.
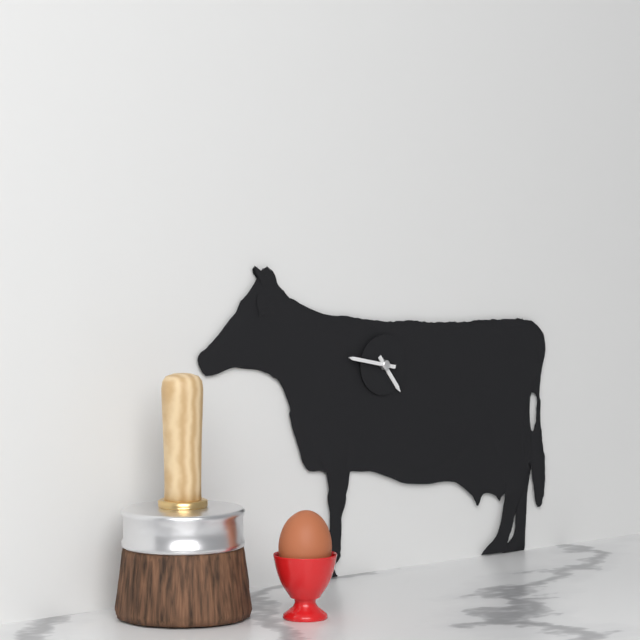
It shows **4:47**
